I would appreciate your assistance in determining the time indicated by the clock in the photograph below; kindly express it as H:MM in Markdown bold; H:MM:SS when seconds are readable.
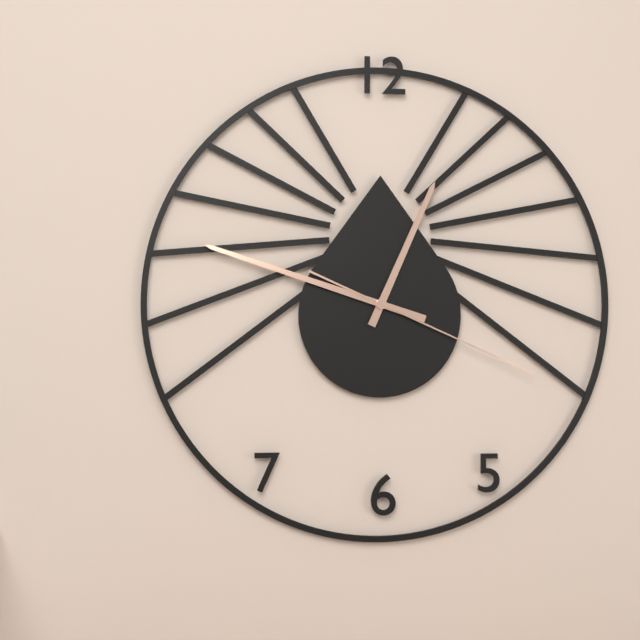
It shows **12:48:19**
